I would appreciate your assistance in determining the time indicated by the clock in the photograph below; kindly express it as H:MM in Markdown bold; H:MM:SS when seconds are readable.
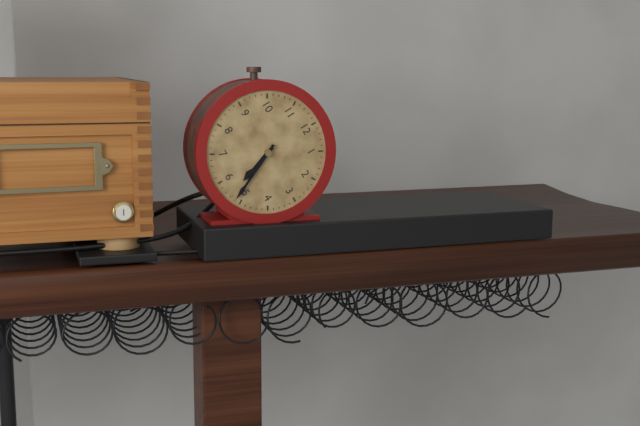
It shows **5:26**
